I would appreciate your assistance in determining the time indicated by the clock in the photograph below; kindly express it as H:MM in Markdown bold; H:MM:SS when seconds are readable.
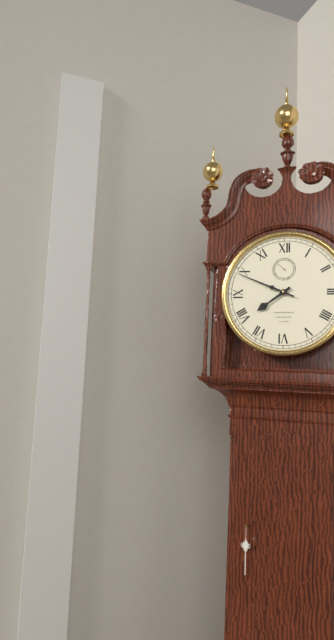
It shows **7:49**
